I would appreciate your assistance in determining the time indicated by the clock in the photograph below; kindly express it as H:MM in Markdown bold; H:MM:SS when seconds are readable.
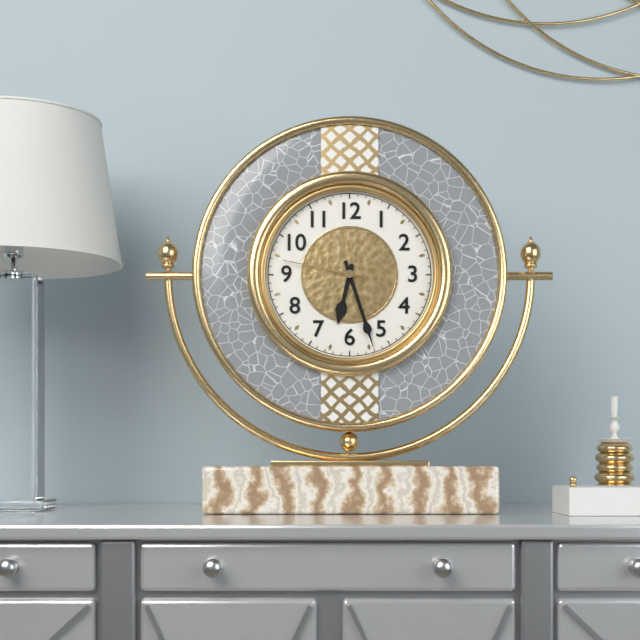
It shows **6:27:47**
